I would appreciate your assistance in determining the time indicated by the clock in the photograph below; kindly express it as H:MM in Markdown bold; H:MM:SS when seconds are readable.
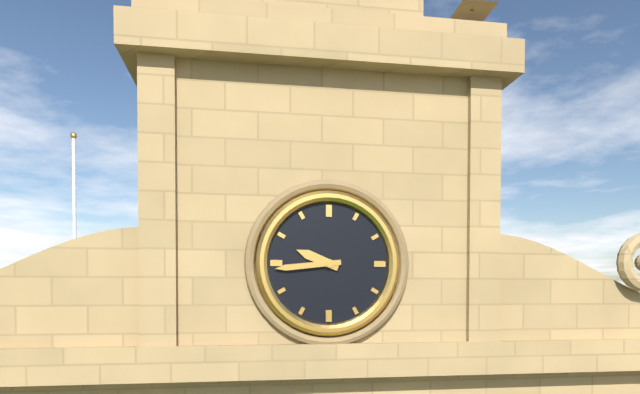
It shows **9:44**
